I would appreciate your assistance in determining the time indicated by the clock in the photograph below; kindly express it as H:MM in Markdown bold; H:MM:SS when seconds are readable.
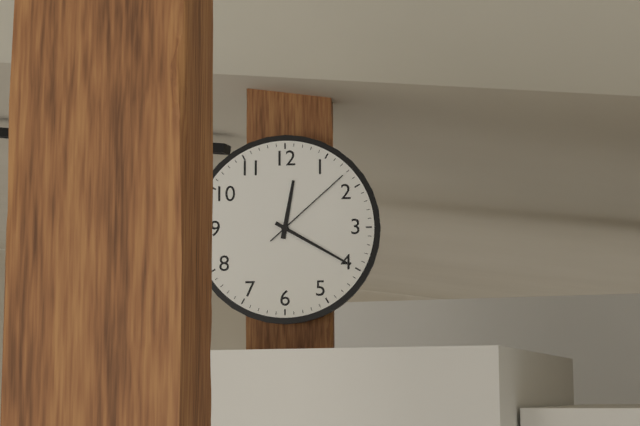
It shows **12:20:08**
